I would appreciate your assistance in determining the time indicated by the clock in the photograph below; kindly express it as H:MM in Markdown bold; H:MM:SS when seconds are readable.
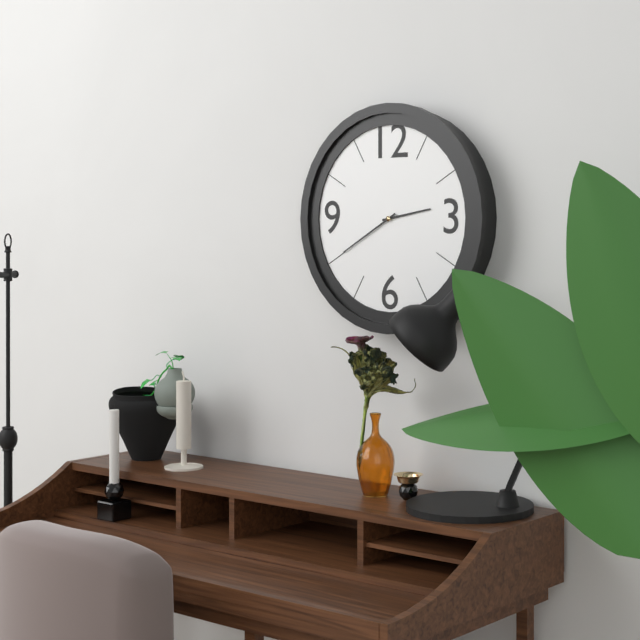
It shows **2:40**
